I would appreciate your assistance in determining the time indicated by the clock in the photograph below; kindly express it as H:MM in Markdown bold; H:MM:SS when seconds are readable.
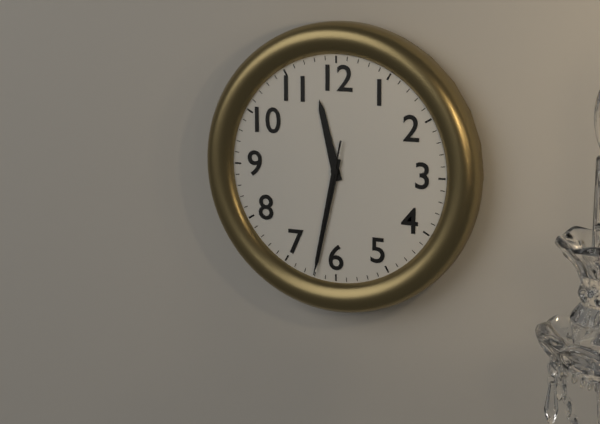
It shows **11:32:32**
